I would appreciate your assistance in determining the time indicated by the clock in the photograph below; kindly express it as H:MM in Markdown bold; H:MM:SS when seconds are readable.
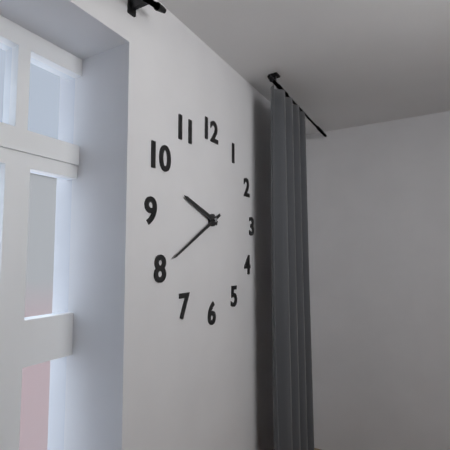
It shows **9:40**
